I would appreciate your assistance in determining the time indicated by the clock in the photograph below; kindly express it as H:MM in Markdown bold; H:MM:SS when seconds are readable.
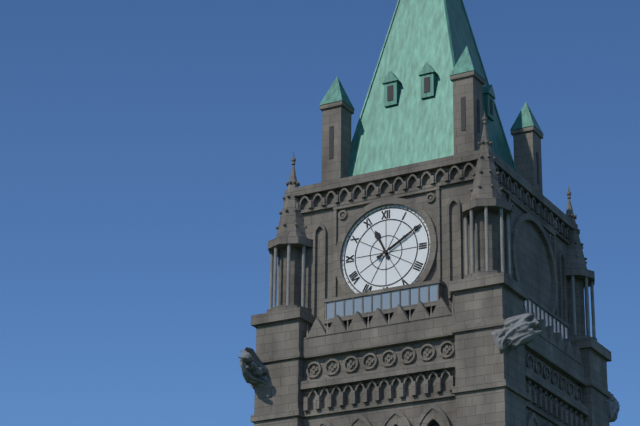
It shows **11:10**
